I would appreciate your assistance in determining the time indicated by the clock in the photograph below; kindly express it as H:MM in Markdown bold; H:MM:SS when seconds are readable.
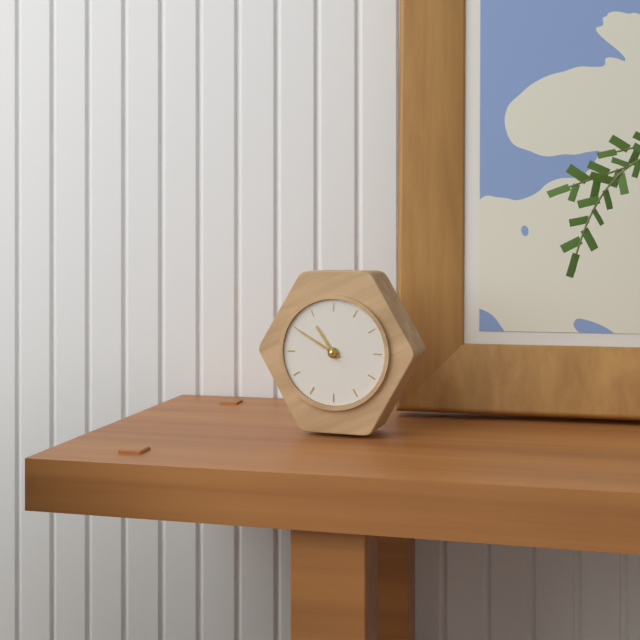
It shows **10:50**
